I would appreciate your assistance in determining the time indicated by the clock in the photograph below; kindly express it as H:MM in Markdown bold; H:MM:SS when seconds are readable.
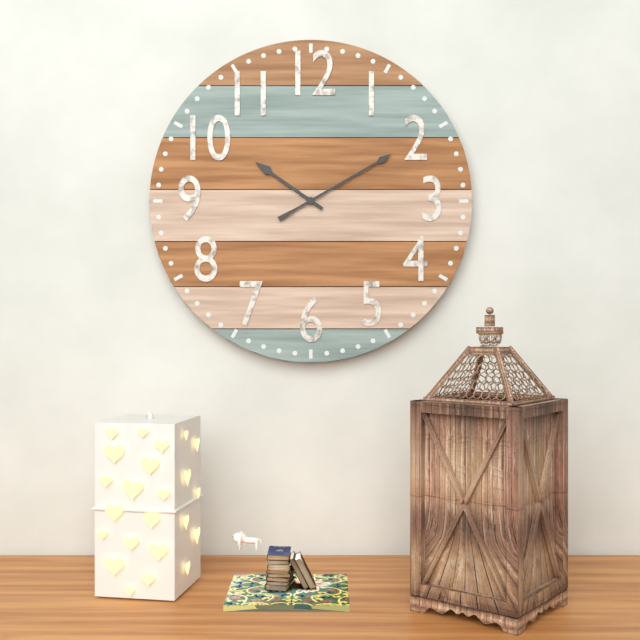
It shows **10:10**
